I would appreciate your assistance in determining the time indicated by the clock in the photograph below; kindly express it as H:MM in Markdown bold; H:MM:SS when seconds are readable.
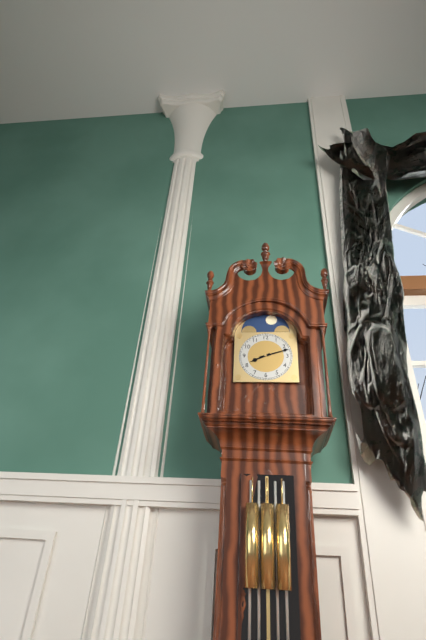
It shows **8:12**
